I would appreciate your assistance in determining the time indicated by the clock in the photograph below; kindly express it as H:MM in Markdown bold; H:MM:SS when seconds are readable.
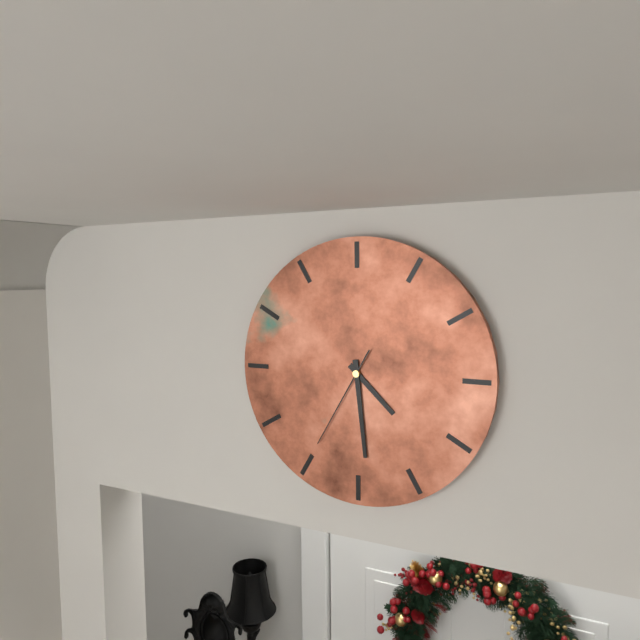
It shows **4:29:35**
